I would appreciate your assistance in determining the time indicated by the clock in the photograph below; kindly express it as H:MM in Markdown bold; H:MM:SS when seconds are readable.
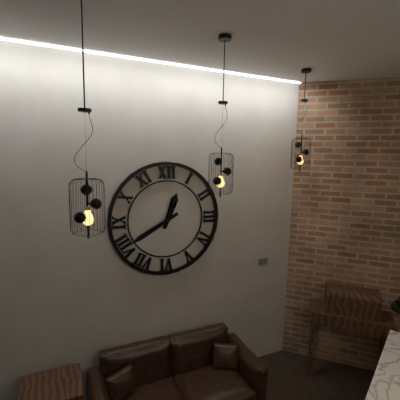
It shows **12:40**
